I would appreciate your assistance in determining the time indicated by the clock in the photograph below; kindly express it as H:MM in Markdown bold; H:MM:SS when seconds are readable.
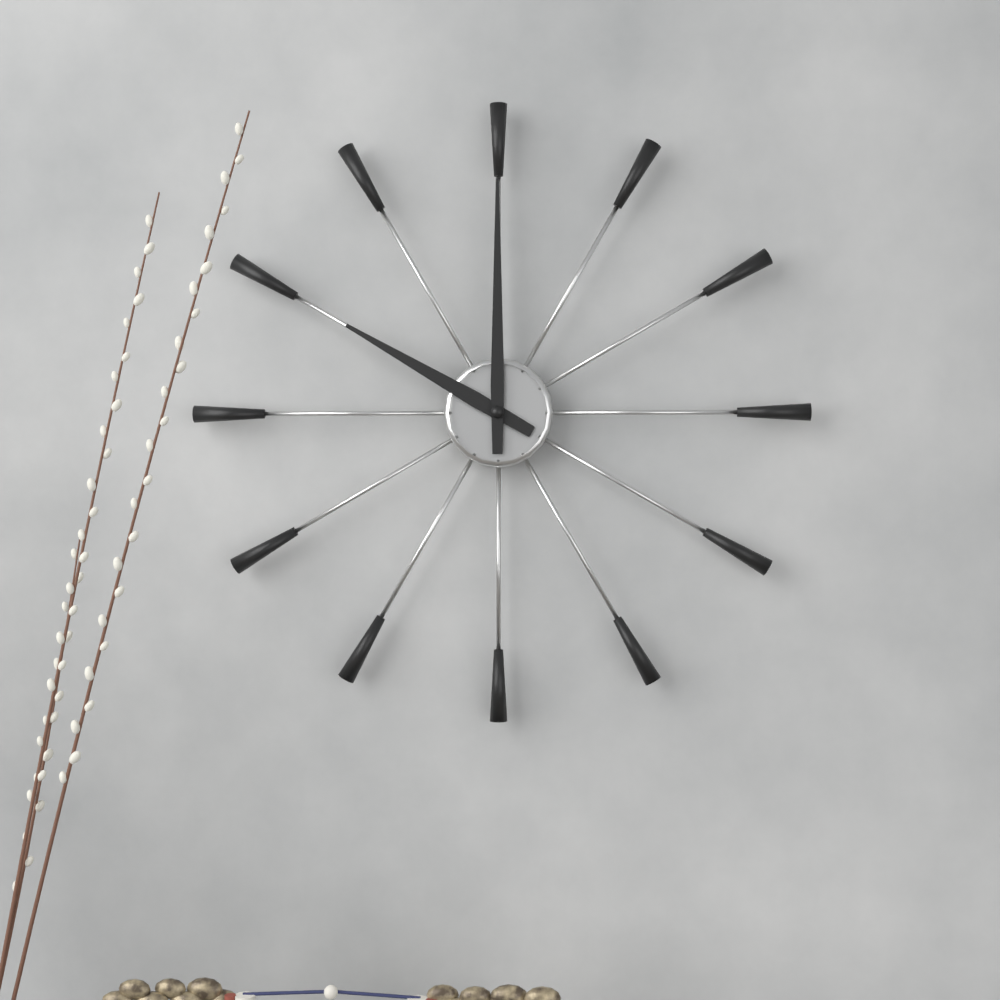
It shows **10:00**
